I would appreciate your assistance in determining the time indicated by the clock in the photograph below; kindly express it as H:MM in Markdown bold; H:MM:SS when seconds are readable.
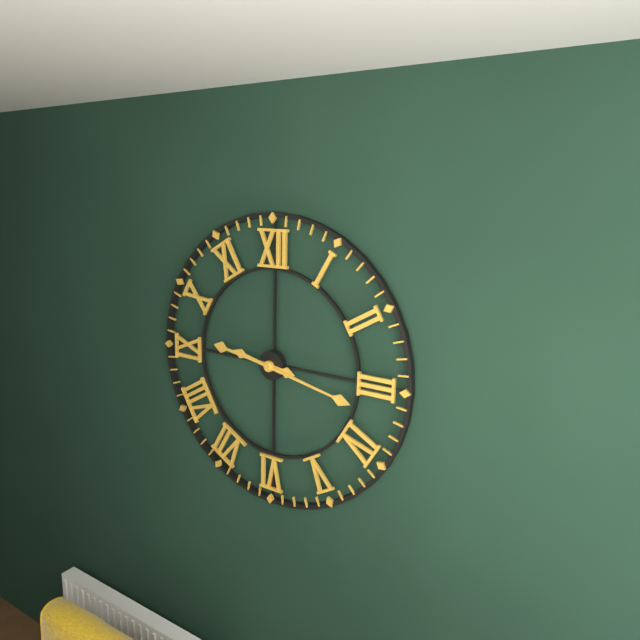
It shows **9:17**
